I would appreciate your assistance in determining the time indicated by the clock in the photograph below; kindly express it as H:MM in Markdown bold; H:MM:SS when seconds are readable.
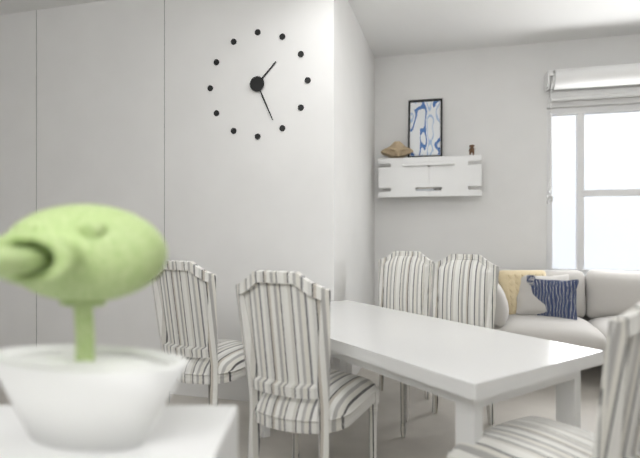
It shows **1:26**
